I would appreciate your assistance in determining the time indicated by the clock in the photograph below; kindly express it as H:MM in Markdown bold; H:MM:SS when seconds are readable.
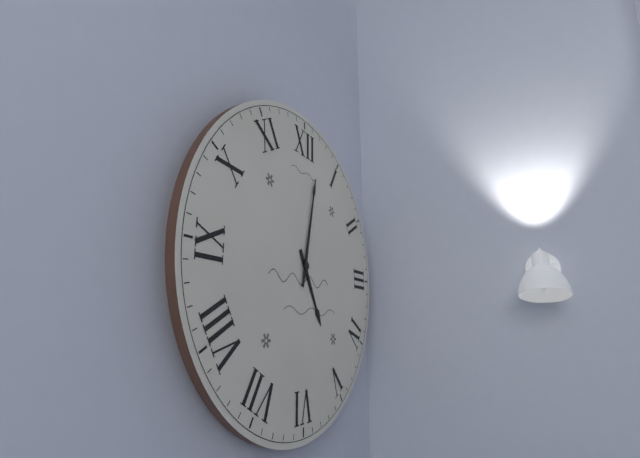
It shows **5:02**
